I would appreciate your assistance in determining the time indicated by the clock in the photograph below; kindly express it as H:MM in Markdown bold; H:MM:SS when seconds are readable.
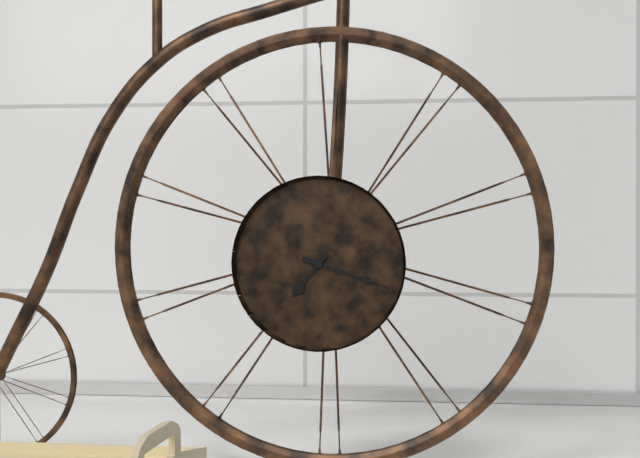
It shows **7:18**
